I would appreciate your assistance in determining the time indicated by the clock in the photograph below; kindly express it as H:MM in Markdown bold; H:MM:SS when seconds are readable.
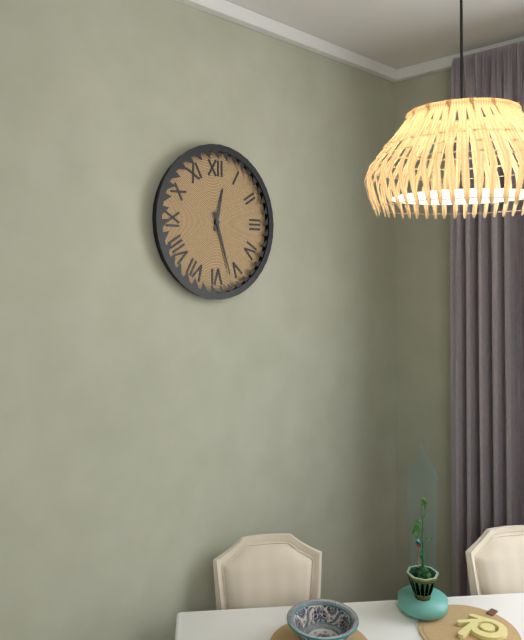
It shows **12:27**
